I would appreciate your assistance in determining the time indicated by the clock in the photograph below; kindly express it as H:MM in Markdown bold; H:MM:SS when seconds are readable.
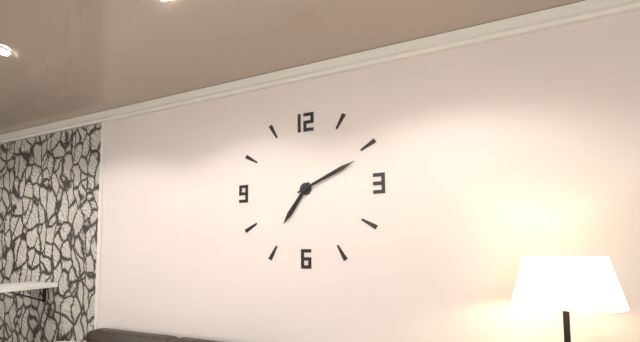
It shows **7:11**
